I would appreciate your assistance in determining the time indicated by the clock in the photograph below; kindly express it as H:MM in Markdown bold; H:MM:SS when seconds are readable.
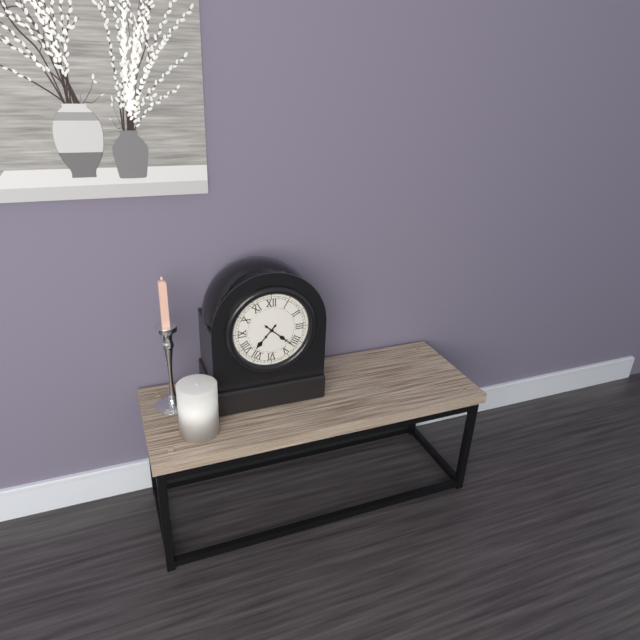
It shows **7:22**
